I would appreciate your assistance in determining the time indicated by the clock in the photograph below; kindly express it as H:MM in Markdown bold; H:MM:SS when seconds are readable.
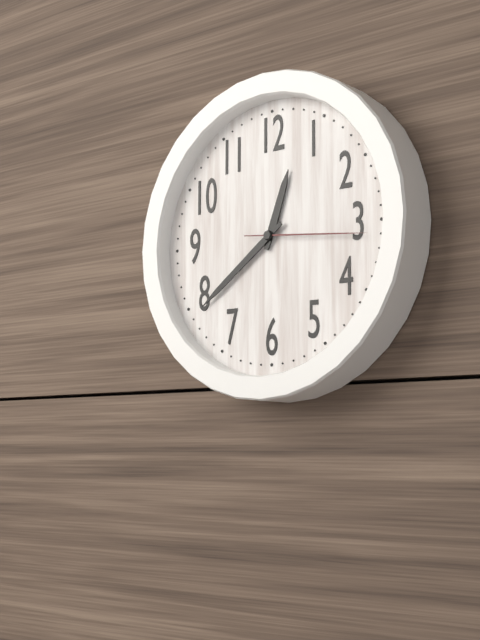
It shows **12:39:16**
